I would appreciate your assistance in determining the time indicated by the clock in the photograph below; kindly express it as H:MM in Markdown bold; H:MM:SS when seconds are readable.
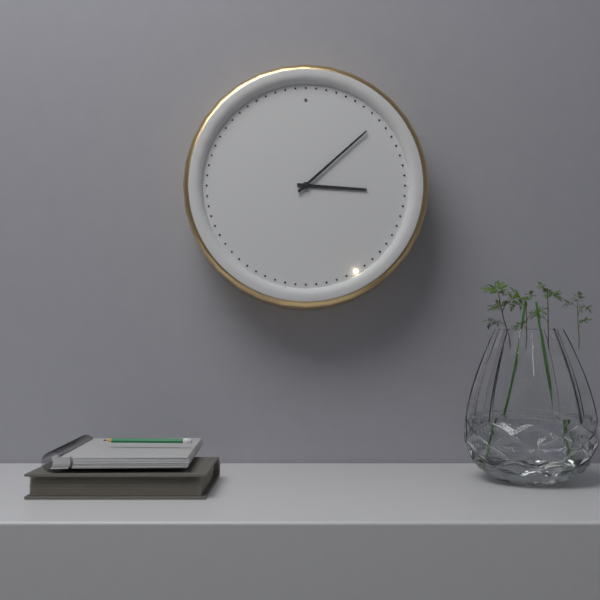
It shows **3:08**
